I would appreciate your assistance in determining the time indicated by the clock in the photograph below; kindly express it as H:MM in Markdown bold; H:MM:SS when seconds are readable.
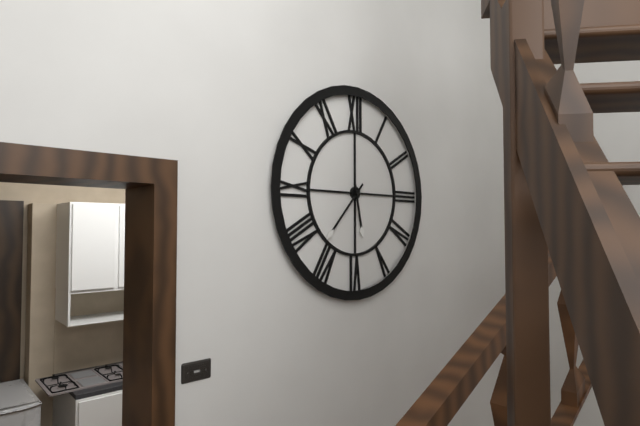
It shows **5:37**
